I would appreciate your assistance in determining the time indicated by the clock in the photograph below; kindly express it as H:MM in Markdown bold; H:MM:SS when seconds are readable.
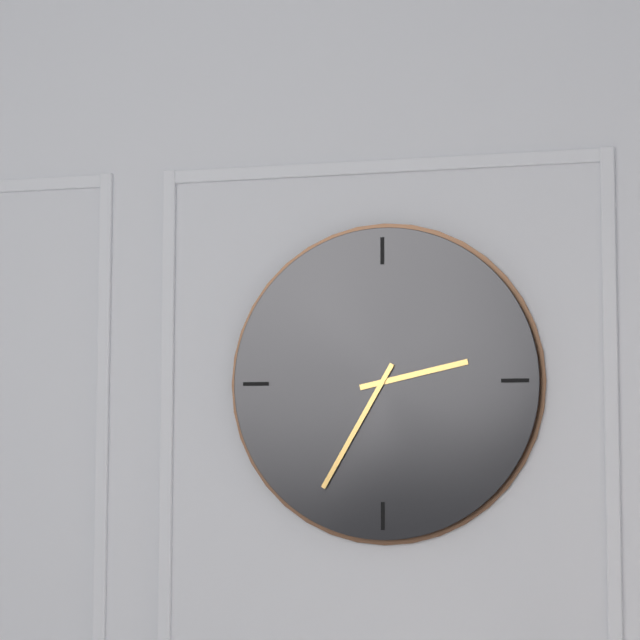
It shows **2:35**
